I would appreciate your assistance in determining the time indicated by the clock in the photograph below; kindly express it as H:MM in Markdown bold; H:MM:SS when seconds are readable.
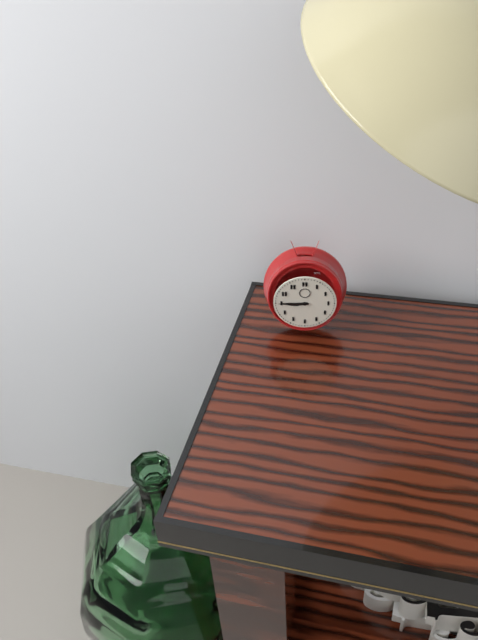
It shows **8:45**
